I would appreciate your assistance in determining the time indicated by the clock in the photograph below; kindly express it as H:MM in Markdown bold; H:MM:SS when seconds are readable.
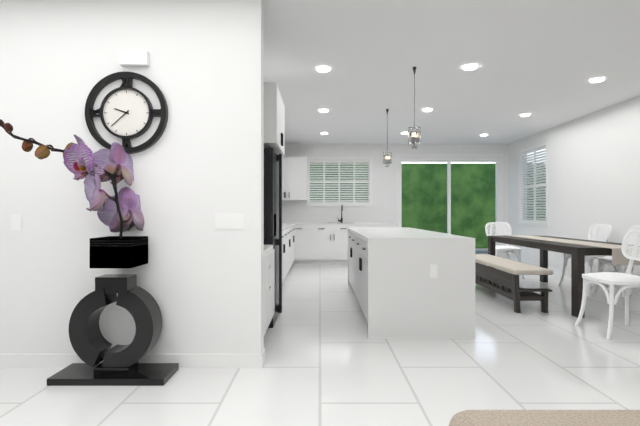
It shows **9:38**
